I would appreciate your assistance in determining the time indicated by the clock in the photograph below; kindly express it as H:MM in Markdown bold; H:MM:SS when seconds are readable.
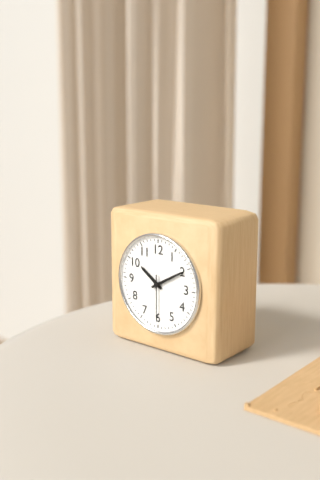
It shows **10:10**
